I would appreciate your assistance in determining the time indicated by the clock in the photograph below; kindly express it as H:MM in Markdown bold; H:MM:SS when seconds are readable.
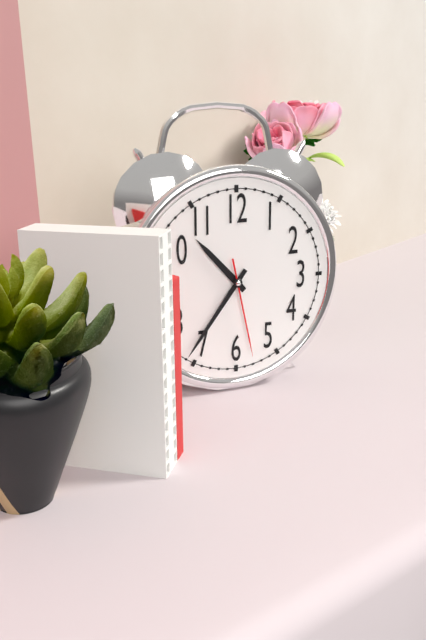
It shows **10:36:28**
